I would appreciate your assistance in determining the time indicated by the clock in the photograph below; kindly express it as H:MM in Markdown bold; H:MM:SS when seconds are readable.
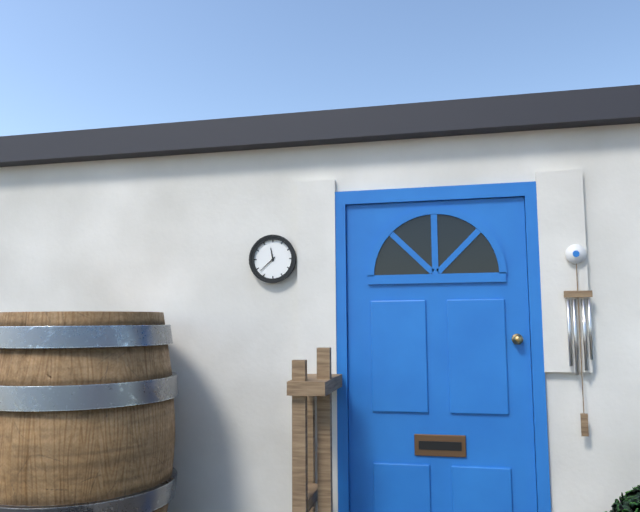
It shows **11:38**
